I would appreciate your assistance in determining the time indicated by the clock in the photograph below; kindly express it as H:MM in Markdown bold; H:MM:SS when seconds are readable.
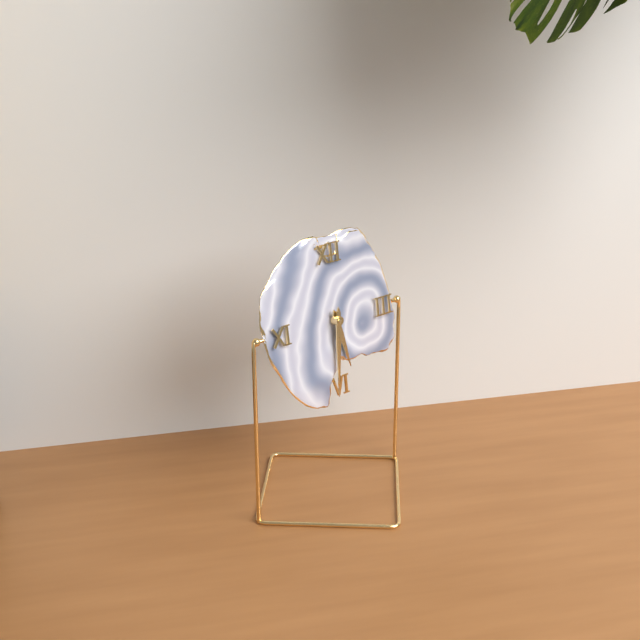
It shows **5:31**
